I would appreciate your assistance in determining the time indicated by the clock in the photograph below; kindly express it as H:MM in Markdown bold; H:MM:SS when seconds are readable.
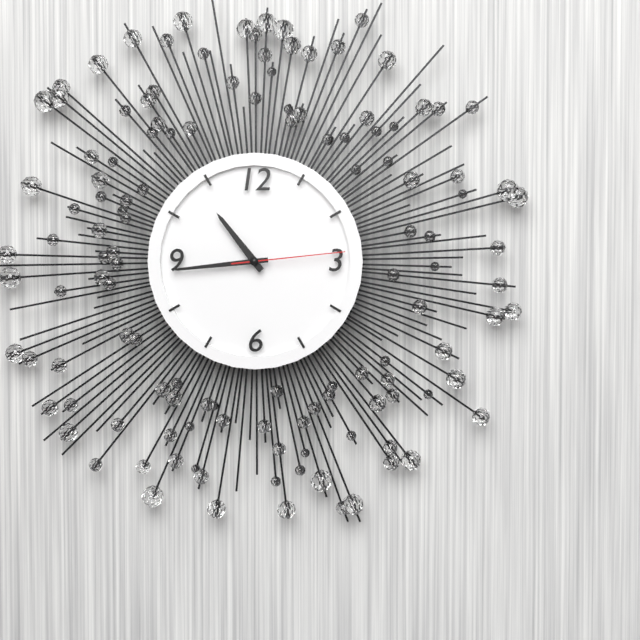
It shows **10:44:14**
